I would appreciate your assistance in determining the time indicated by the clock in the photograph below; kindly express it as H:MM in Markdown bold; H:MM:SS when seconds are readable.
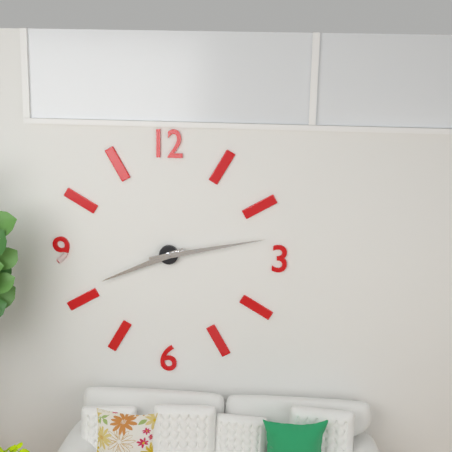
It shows **8:13**
